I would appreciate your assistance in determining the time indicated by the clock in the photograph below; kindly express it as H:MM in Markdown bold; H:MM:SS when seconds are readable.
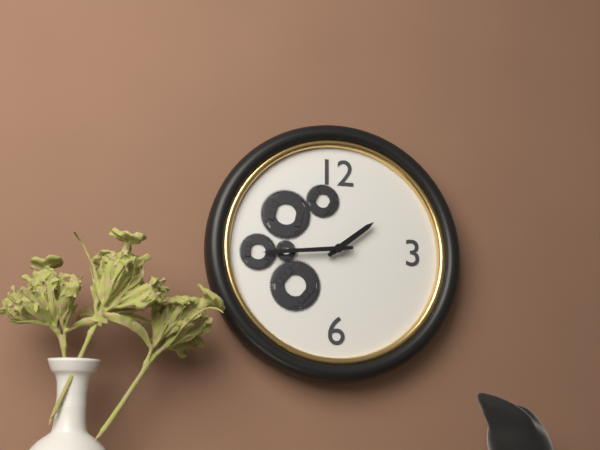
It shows **1:44**
